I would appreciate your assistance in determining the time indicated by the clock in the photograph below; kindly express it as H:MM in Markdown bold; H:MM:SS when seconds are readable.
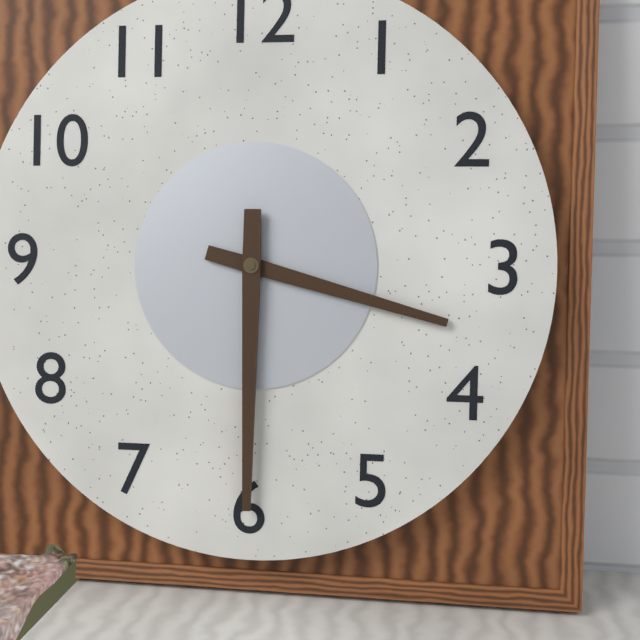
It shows **3:30**
